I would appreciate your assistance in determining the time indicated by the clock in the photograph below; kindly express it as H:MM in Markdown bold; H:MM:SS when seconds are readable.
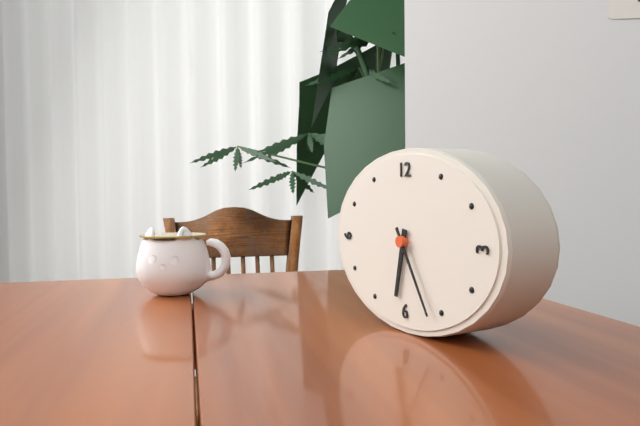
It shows **6:25**
